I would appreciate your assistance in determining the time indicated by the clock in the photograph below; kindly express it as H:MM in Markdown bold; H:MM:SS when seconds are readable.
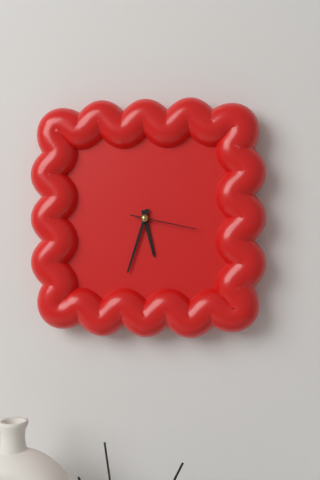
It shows **5:33:17**
